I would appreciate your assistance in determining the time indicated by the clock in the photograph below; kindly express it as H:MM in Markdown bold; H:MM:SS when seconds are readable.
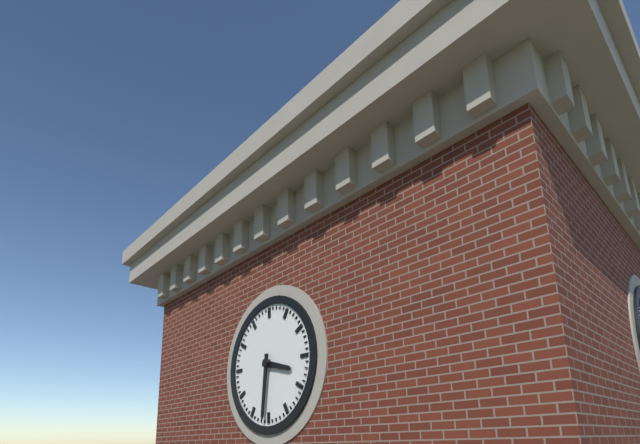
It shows **3:31**
